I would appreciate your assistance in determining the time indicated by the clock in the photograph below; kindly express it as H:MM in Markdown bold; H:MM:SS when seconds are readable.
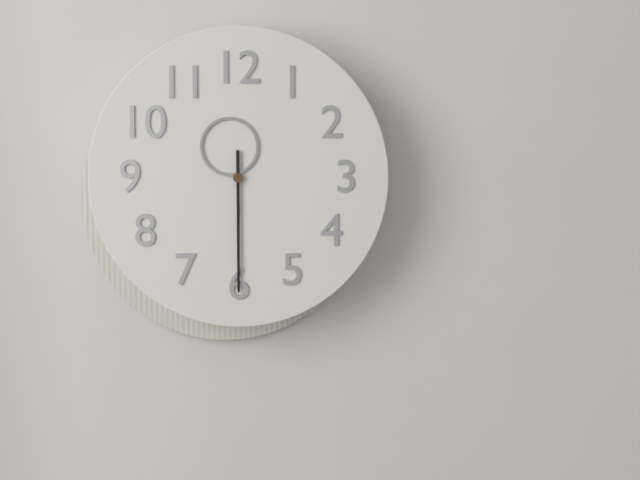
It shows **11:30**
